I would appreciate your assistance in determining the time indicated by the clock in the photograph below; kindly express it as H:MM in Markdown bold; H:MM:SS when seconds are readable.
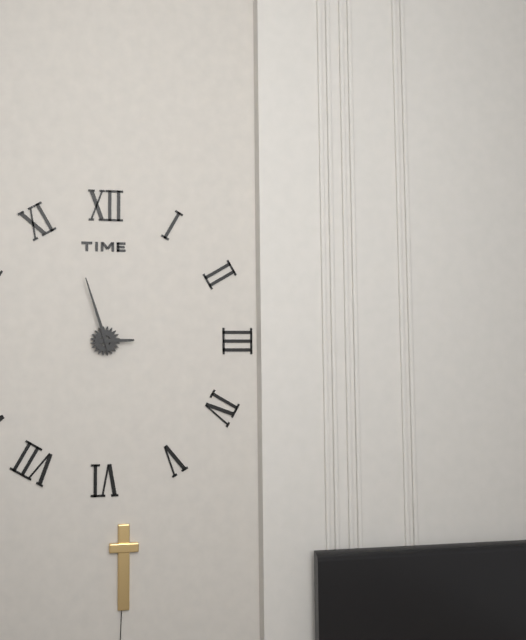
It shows **2:57**
